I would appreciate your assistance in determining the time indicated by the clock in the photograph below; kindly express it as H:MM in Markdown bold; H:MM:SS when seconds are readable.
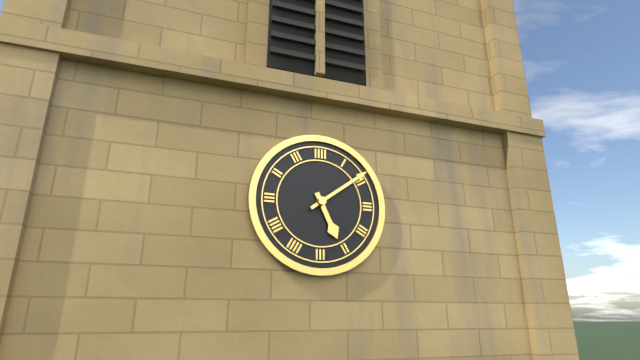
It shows **5:09**
